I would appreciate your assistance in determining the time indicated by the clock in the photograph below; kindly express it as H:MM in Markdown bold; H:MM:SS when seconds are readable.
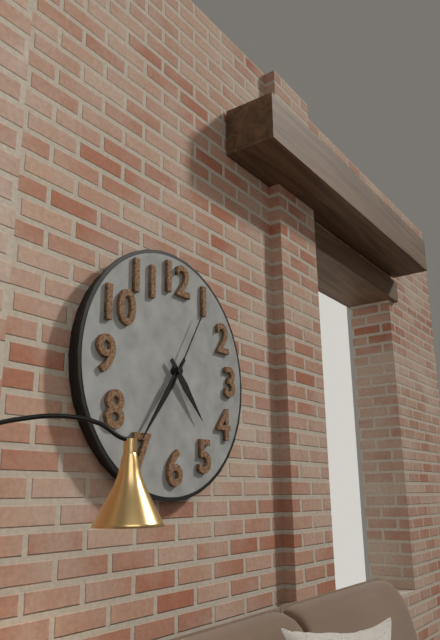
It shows **4:36:05**
